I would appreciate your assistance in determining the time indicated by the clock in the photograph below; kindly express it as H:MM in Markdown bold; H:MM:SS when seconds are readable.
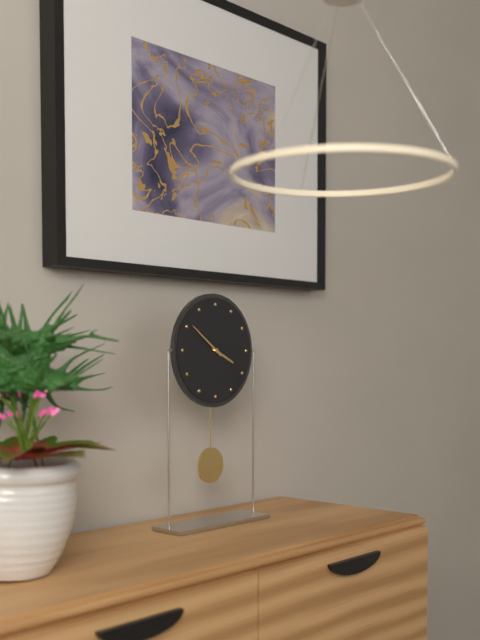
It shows **3:51**
